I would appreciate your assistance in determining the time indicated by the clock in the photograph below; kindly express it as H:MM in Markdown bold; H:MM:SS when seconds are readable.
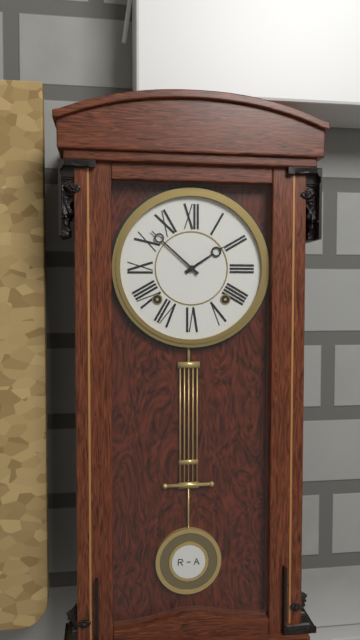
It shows **1:52**
